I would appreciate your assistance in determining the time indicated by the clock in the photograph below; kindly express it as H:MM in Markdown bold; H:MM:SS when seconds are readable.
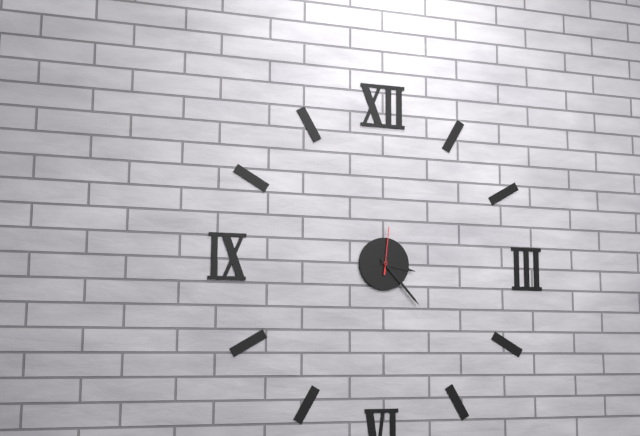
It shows **3:23**
